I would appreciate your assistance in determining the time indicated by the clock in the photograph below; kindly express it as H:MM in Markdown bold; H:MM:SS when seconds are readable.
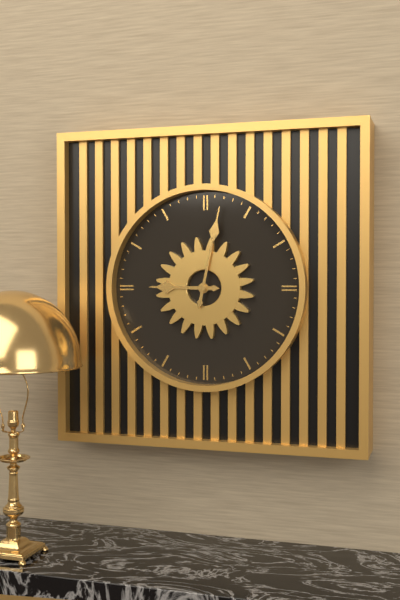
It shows **9:02**
